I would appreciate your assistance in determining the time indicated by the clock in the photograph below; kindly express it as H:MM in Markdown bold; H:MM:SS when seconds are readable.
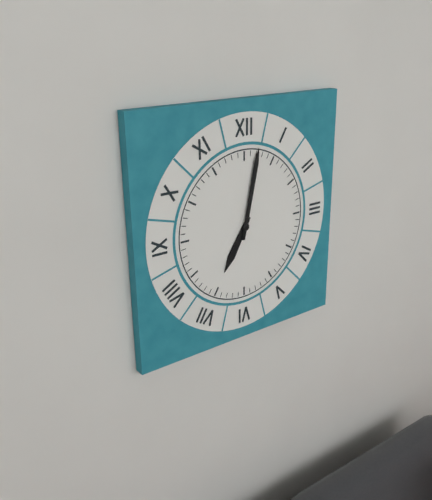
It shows **7:02**
